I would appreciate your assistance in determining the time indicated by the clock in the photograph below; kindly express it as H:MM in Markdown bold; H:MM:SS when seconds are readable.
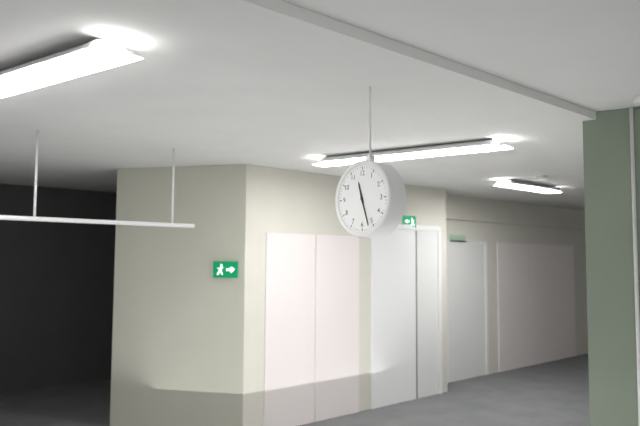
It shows **11:27**
